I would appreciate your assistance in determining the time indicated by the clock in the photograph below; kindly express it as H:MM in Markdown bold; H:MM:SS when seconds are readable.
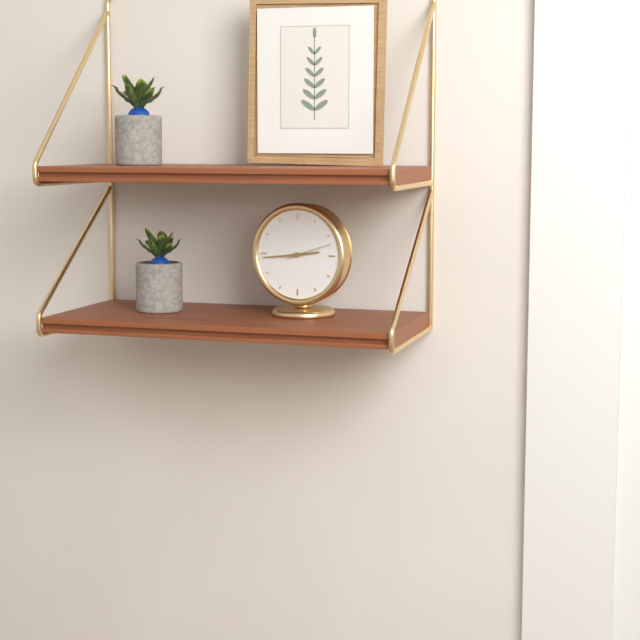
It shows **2:44**
